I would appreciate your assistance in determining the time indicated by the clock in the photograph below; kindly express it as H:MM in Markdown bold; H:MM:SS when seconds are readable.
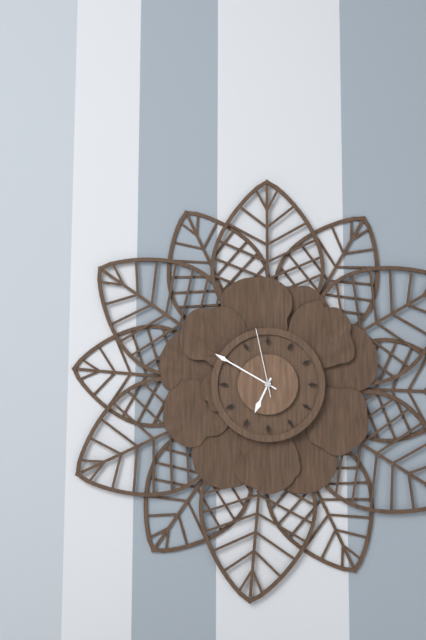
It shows **6:50:58**
